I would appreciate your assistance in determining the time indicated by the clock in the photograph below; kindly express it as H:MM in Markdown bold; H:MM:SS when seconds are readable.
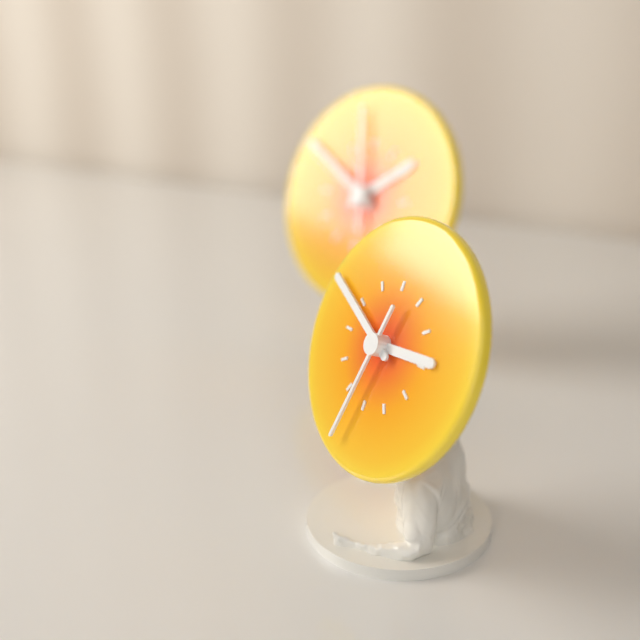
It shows **2:49:32**
